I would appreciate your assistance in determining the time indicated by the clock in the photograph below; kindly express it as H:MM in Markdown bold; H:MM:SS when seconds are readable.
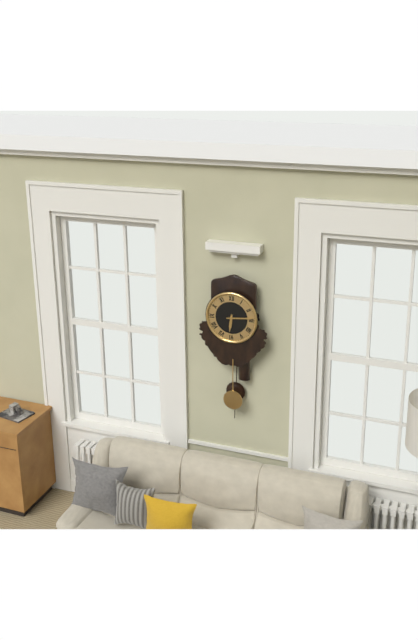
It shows **6:14**
